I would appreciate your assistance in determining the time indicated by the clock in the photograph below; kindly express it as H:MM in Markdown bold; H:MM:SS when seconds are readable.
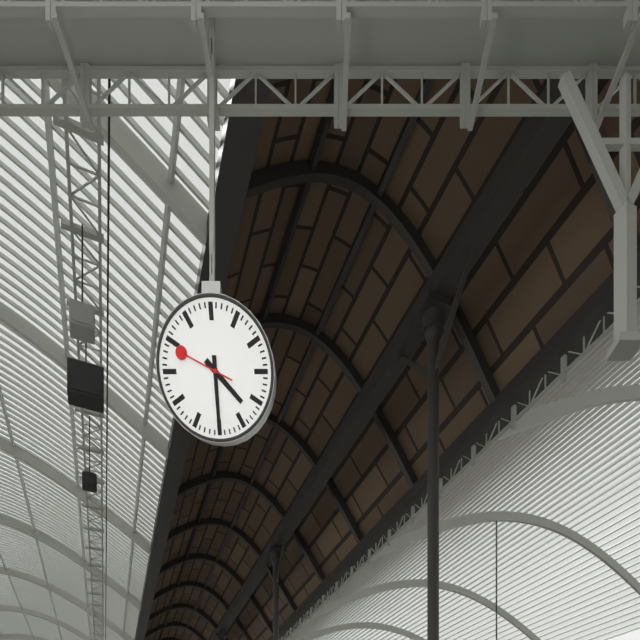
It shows **4:30:49**
